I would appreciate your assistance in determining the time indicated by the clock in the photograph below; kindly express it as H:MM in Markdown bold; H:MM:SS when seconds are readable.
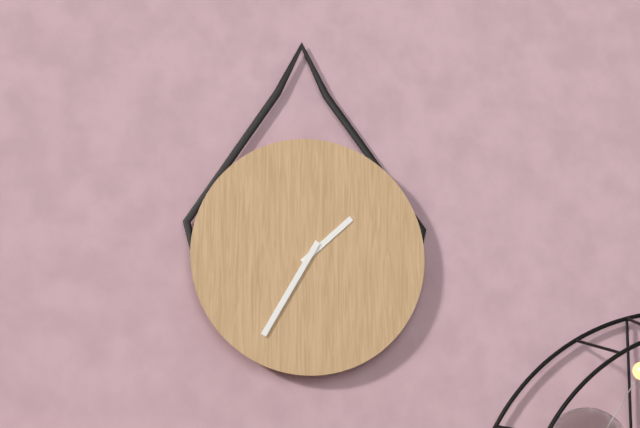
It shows **1:35**
